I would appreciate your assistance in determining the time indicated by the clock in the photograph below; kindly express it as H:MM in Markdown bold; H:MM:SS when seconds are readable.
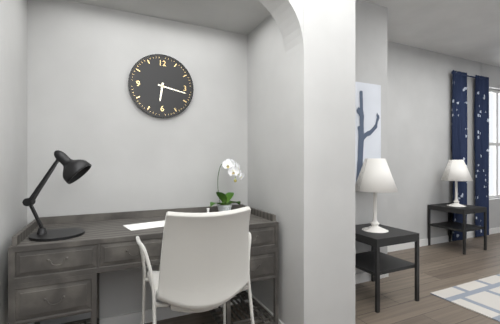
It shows **6:17**
